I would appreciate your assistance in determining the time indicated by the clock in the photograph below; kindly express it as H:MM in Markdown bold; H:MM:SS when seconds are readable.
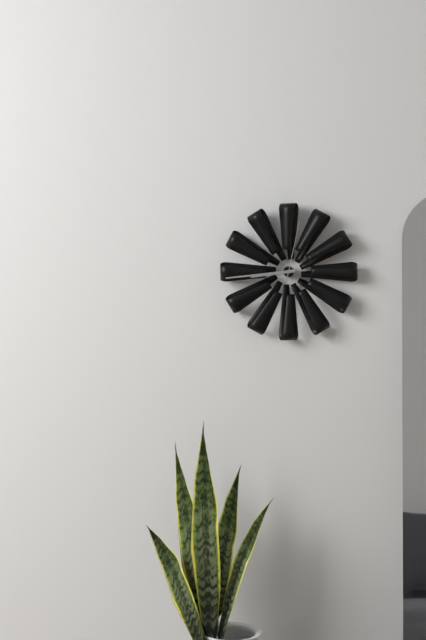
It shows **8:44:02**
